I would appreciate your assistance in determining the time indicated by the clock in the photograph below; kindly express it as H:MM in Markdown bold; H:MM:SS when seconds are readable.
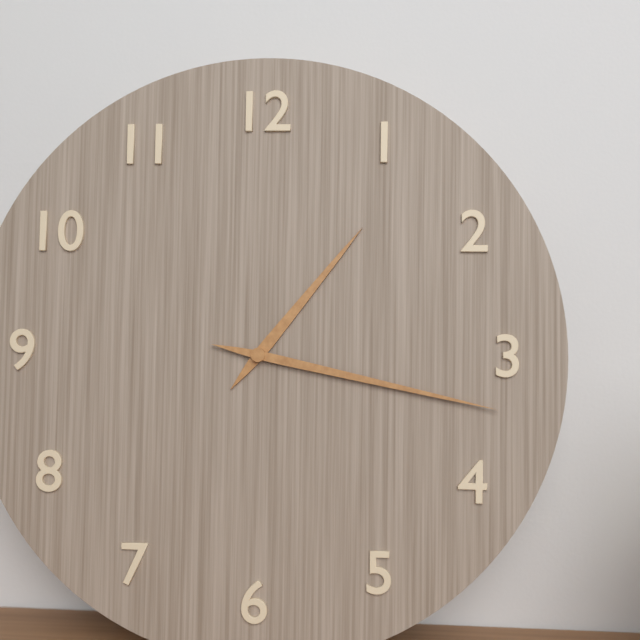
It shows **1:17**
